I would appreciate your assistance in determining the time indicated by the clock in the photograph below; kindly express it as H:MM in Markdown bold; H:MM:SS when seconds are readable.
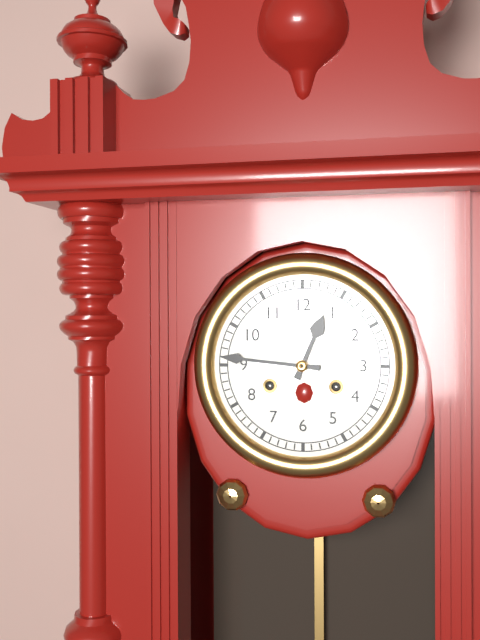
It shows **12:46**
